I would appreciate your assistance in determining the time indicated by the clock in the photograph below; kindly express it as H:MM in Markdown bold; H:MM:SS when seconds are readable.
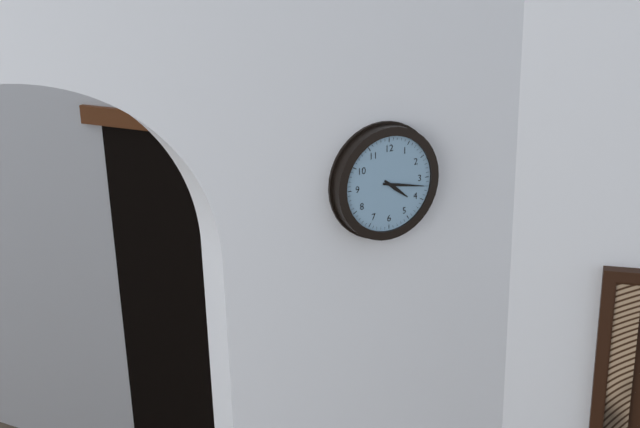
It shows **4:17**
